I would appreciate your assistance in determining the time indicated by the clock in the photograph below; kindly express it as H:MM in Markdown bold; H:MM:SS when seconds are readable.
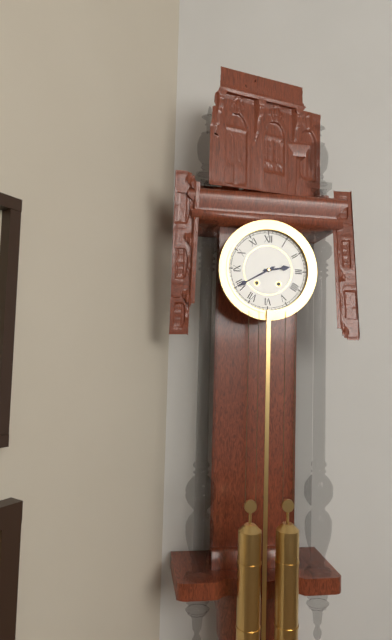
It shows **2:40**
